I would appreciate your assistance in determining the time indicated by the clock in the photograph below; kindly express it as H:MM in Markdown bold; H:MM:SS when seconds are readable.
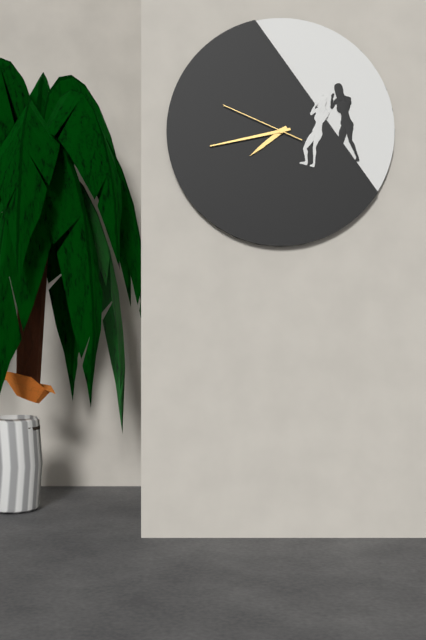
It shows **7:43:49**
